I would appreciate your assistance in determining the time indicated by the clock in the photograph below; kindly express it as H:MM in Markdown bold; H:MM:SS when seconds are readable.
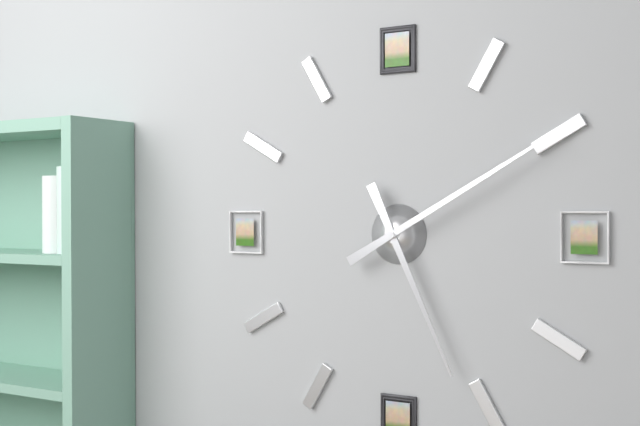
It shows **5:10**
